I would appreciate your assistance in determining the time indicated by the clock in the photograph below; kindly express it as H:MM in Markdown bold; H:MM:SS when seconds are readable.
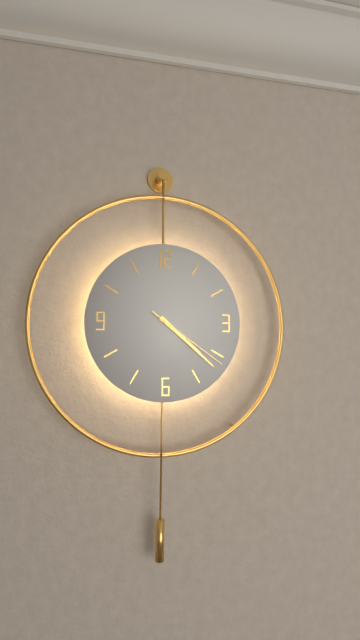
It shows **4:22:21**
